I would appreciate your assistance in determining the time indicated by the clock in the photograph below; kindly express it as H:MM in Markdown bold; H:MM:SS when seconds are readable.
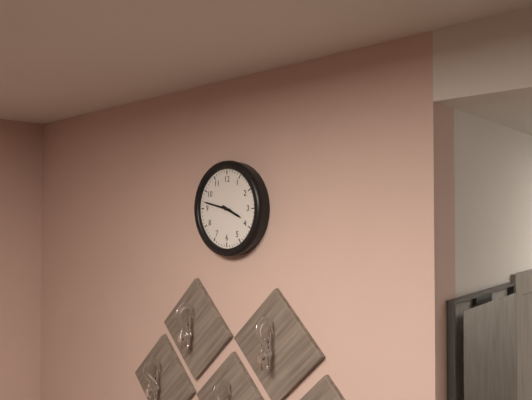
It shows **3:47**
